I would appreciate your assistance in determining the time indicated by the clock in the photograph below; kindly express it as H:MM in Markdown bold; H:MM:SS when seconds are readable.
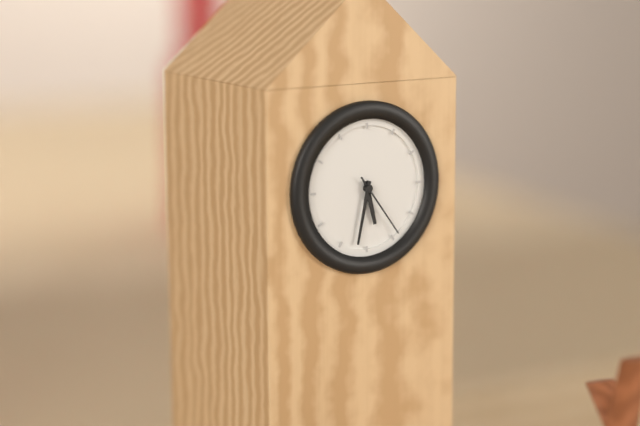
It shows **5:32:24**
